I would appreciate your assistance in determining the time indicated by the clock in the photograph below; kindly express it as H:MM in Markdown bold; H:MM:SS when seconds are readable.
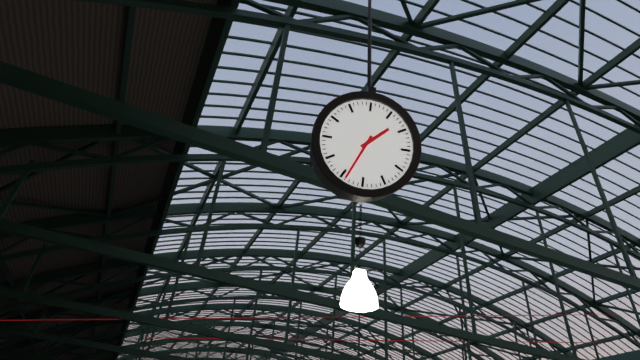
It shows **1:34**
